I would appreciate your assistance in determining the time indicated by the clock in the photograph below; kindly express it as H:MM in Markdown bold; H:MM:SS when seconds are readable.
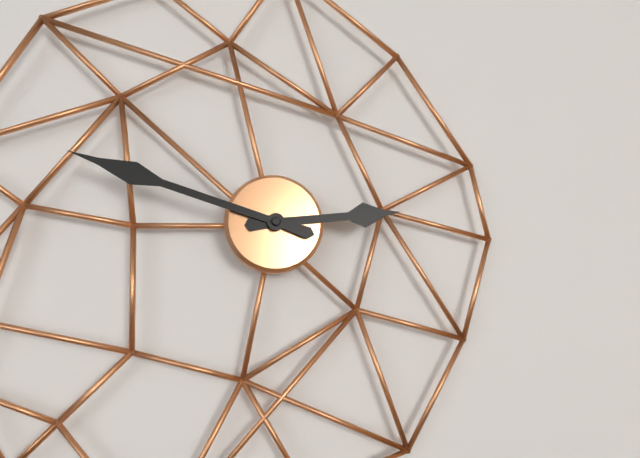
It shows **2:48**
